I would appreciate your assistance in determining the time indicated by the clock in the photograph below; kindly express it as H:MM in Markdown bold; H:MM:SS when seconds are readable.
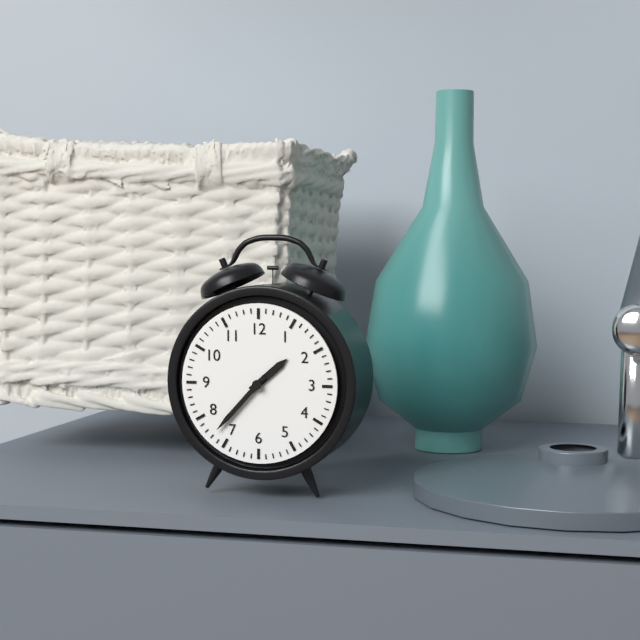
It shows **1:37**
